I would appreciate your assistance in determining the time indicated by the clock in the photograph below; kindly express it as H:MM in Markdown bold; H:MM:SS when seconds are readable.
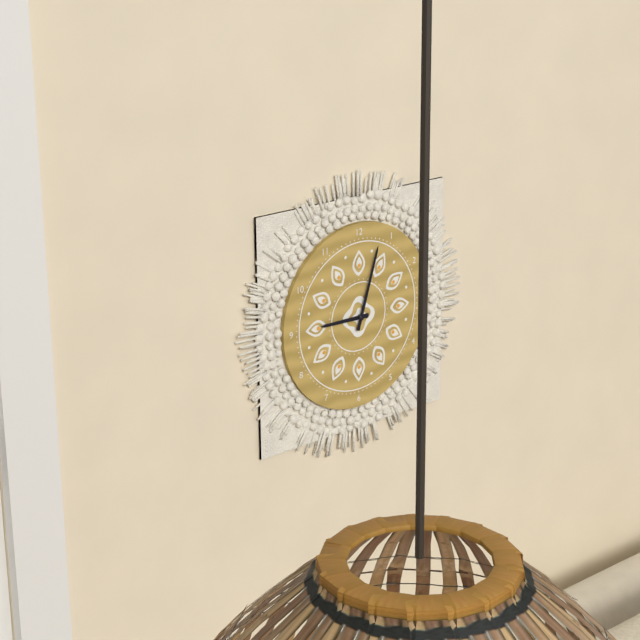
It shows **9:03**
